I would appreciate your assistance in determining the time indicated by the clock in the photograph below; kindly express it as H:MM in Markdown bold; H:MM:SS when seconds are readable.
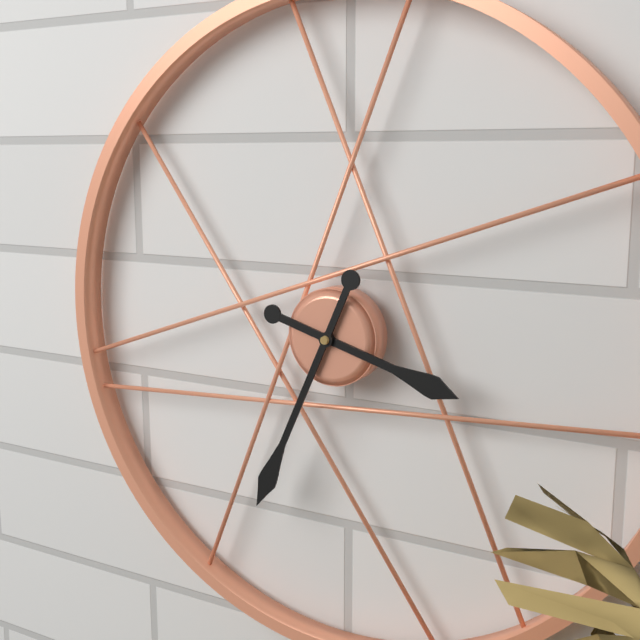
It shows **3:34**
